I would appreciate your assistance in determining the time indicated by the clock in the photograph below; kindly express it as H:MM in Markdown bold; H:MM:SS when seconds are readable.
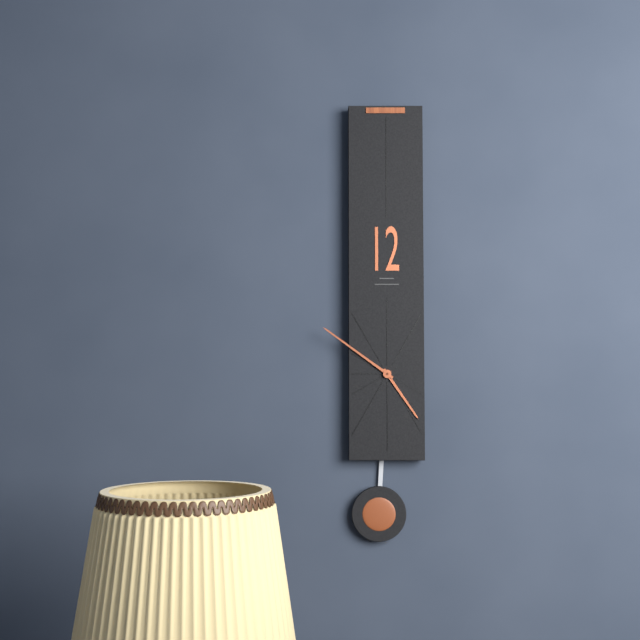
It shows **4:51**
